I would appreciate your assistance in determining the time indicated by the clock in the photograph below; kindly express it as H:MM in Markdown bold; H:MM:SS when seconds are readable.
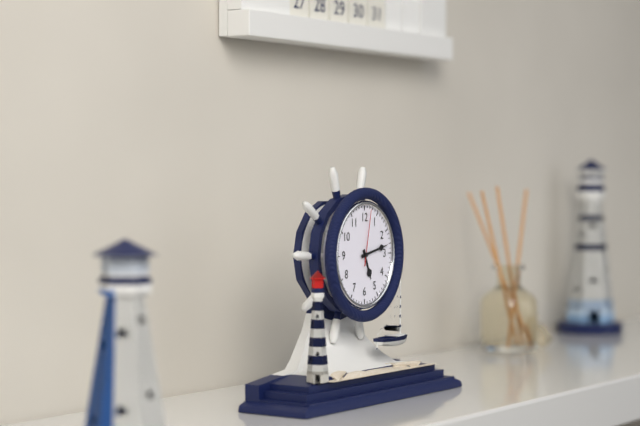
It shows **5:13:02**
